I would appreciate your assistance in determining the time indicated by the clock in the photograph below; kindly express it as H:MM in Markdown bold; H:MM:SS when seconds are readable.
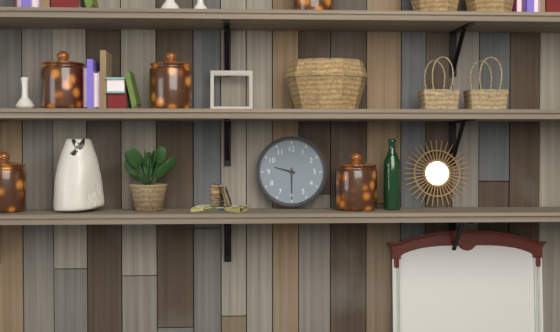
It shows **9:30**
